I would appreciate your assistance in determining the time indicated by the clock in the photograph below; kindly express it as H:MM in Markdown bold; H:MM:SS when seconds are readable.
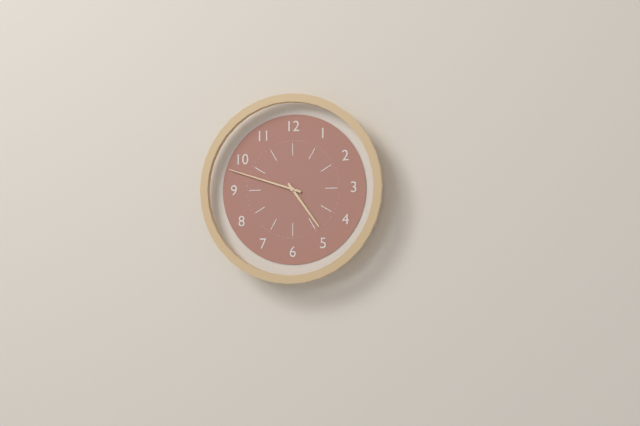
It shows **4:48**
